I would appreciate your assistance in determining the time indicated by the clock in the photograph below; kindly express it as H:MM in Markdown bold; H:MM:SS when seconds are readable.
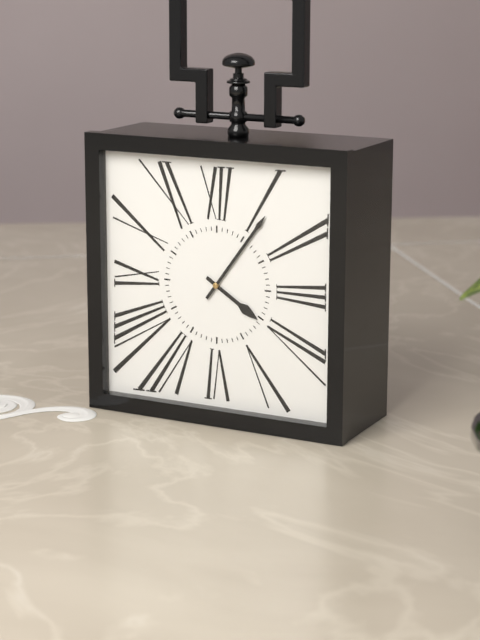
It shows **4:06**
